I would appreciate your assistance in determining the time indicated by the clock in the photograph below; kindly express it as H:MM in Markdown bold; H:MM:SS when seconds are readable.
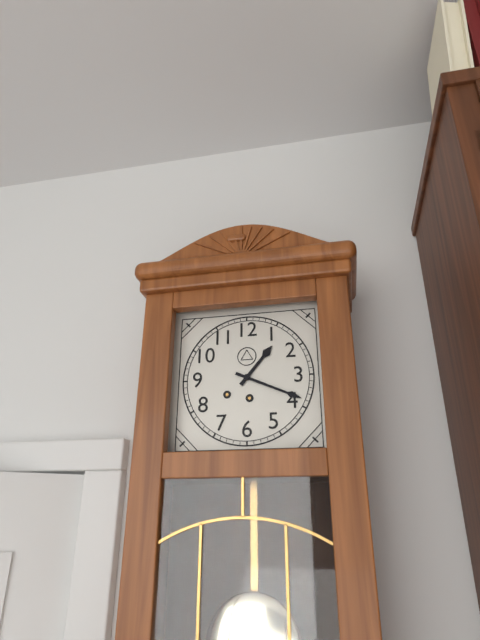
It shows **1:19**
